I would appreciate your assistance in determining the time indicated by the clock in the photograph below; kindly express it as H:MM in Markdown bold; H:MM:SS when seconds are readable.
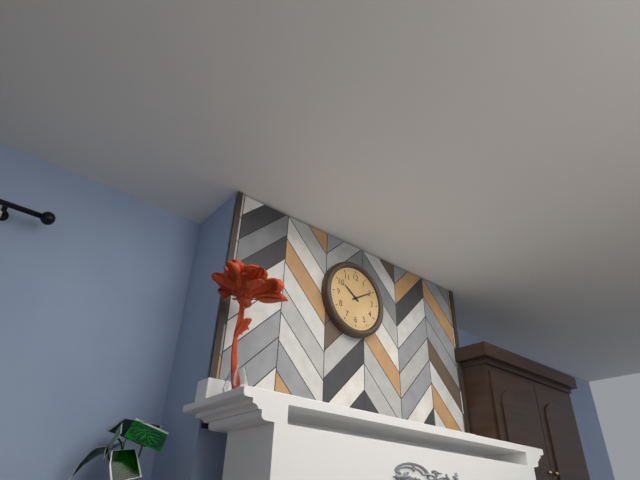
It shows **10:10**
